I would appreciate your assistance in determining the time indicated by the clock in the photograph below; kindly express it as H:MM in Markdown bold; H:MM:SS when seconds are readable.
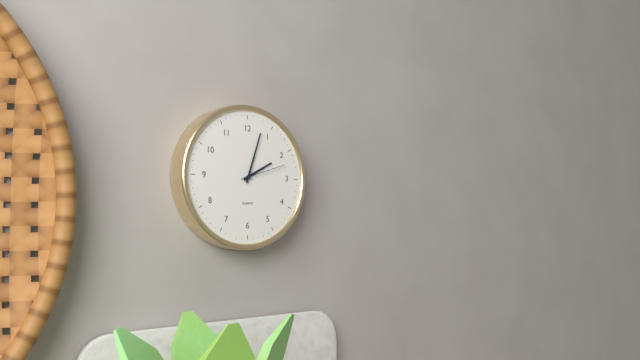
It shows **2:03**
